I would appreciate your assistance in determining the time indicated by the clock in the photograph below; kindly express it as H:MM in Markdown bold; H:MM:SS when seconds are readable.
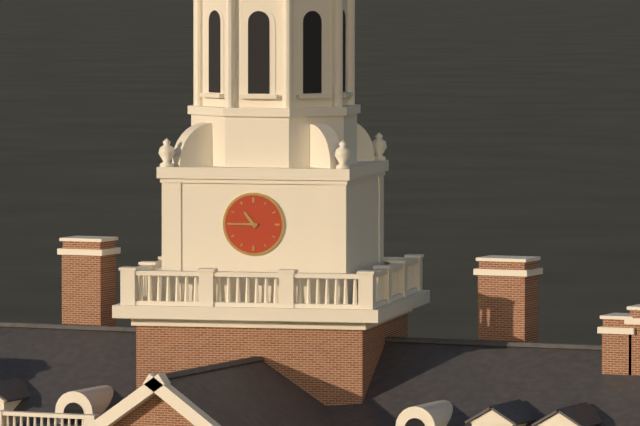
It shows **10:45**
